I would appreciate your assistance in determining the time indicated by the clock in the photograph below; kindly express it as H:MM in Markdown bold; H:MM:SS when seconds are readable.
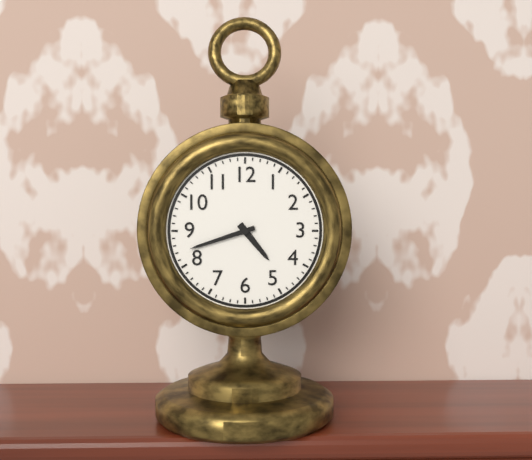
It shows **4:42**
